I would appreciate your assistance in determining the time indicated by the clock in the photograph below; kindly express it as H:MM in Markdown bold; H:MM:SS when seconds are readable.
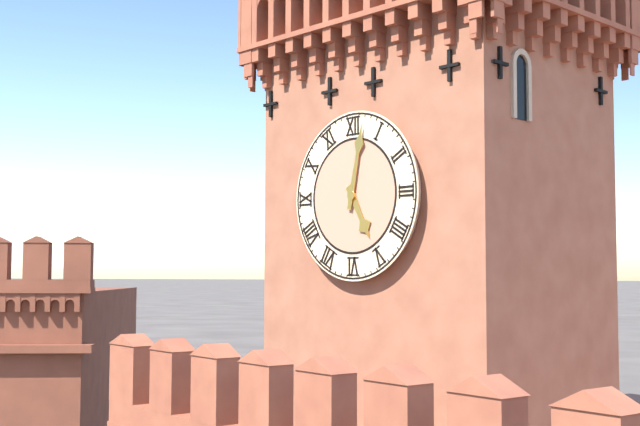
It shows **5:02**
